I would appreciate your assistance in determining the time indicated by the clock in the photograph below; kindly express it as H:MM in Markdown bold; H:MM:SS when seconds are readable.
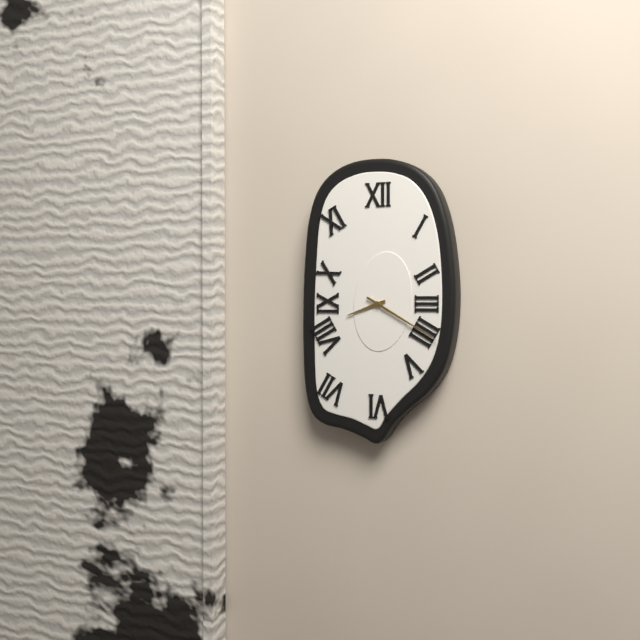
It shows **8:20**
